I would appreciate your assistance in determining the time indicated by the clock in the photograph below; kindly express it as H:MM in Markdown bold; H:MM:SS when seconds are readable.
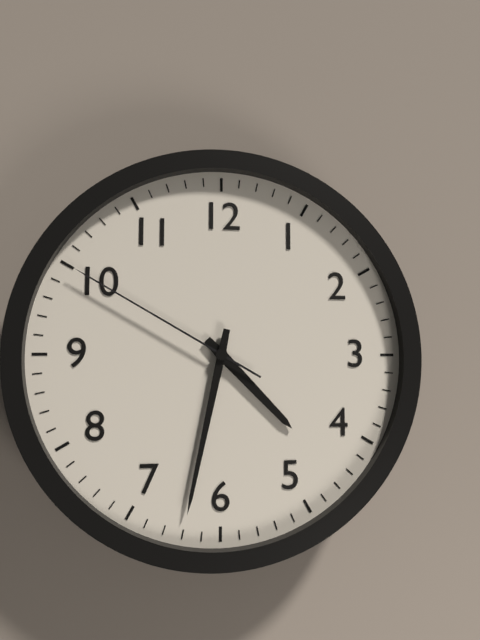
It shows **4:32:50**
